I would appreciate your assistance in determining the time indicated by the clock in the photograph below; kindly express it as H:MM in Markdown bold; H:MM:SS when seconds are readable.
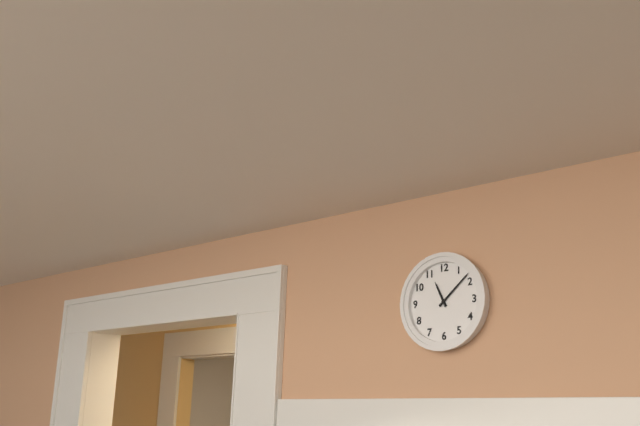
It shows **11:08**
